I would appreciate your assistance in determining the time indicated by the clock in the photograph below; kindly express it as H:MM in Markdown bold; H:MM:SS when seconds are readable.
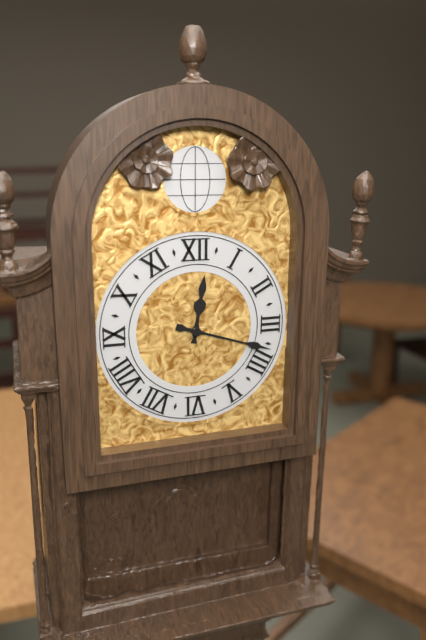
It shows **12:18**
